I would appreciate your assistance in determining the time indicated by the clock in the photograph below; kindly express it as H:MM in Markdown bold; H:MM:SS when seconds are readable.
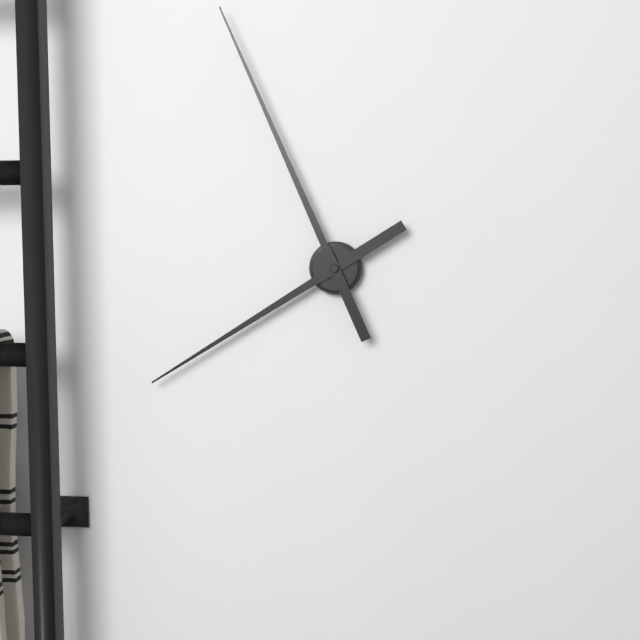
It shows **7:56**
